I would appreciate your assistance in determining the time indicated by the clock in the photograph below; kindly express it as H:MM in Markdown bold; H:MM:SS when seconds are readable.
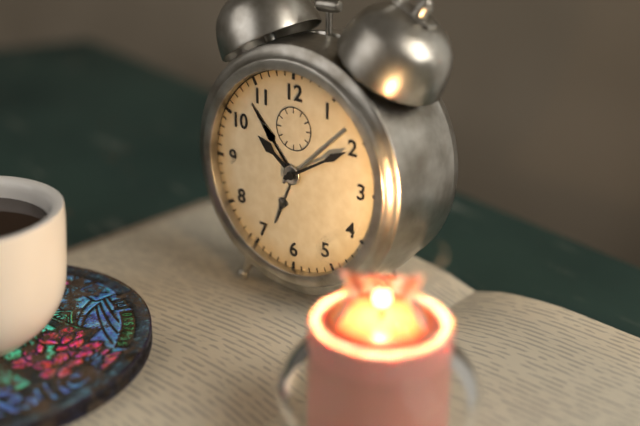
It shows **10:10**
